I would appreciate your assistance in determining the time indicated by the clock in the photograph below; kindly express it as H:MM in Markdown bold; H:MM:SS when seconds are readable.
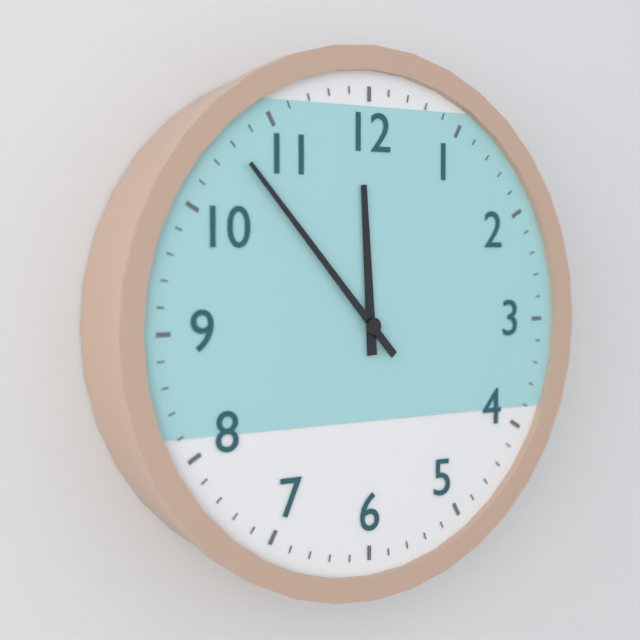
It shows **11:53**
